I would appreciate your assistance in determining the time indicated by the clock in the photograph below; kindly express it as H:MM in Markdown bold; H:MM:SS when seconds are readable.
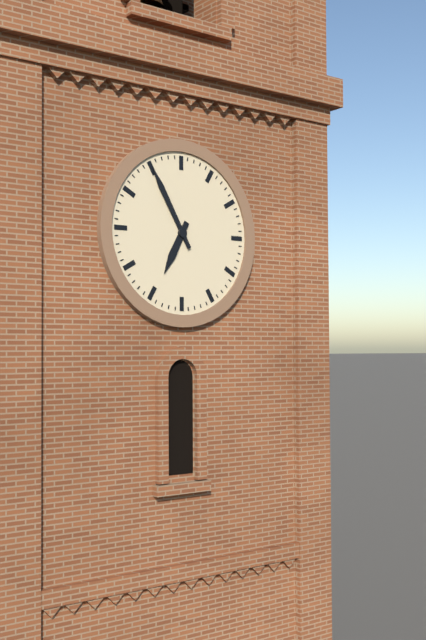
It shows **6:55**
